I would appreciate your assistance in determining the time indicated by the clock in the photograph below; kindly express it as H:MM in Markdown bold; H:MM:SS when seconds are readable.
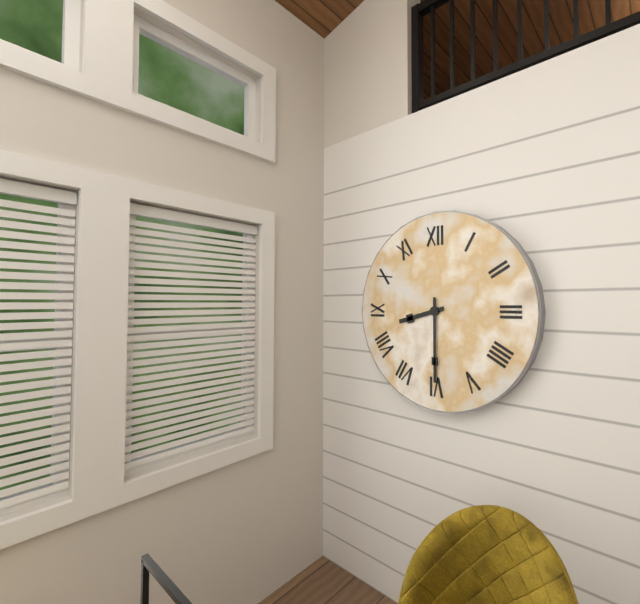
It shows **8:30**
